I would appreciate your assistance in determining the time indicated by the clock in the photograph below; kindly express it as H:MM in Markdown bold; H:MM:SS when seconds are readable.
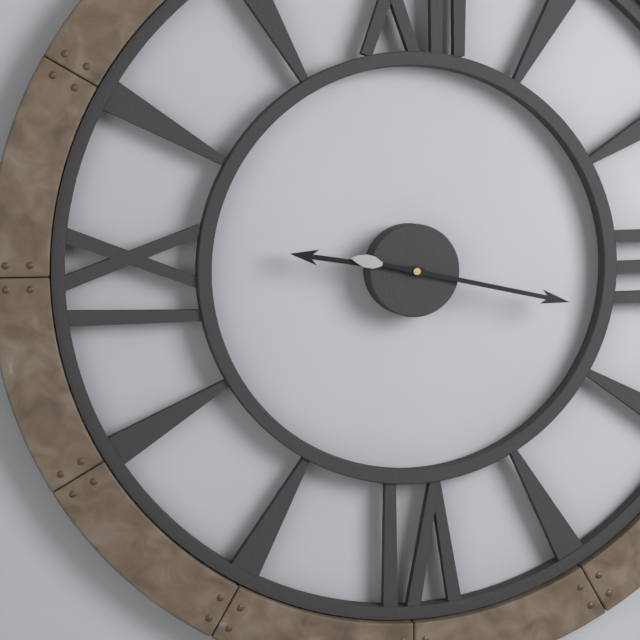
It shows **9:17**
